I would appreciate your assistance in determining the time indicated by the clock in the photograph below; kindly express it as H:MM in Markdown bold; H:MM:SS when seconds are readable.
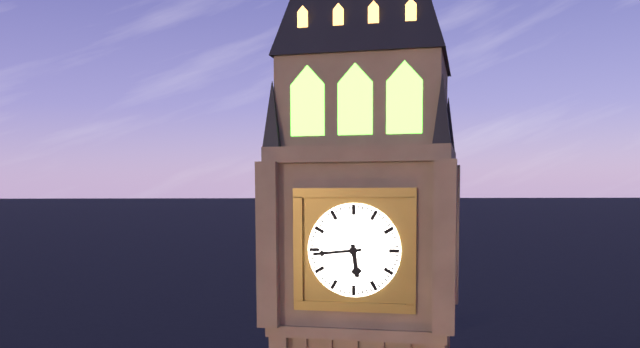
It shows **5:44**
